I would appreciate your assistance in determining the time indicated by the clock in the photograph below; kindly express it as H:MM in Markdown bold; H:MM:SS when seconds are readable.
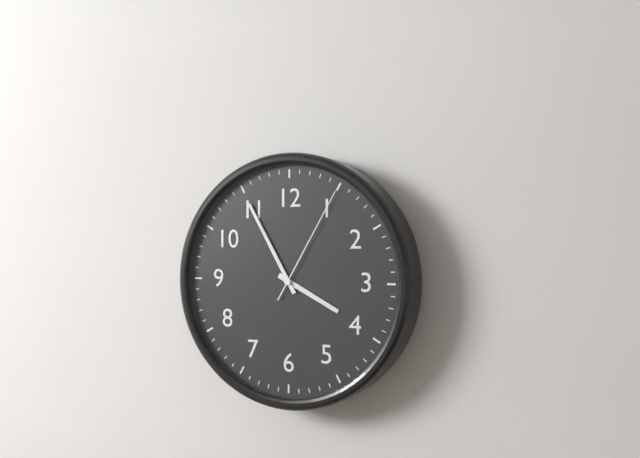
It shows **3:55:05**
